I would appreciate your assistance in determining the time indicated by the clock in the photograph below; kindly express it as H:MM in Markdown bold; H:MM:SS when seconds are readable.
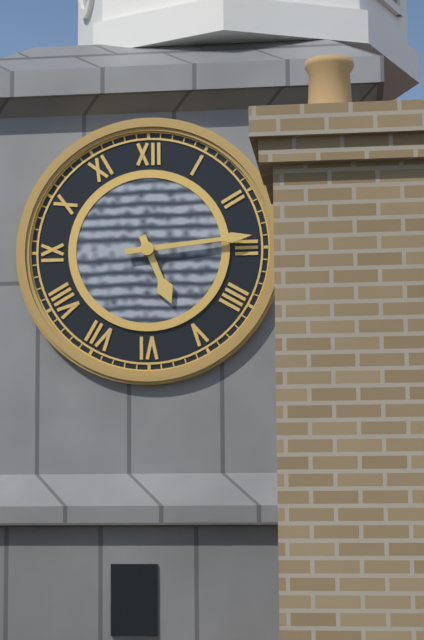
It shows **5:14**
